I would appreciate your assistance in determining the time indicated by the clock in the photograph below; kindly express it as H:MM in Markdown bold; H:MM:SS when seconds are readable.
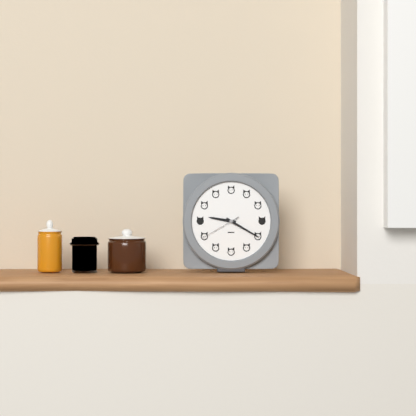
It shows **9:20**
